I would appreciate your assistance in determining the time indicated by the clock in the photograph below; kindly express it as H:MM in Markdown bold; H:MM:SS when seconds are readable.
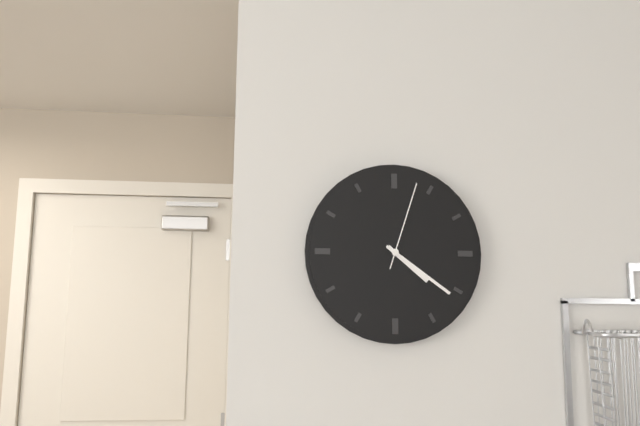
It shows **4:21:03**
